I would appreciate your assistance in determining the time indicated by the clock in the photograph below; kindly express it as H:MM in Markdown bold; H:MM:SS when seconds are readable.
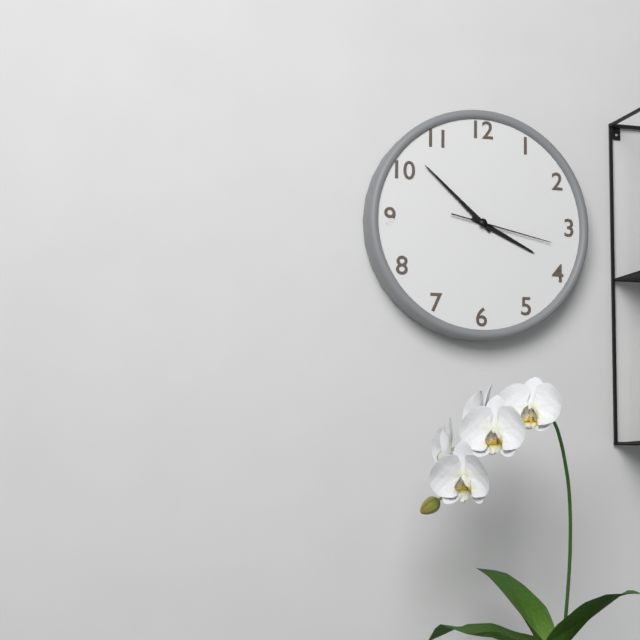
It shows **3:52:17**
